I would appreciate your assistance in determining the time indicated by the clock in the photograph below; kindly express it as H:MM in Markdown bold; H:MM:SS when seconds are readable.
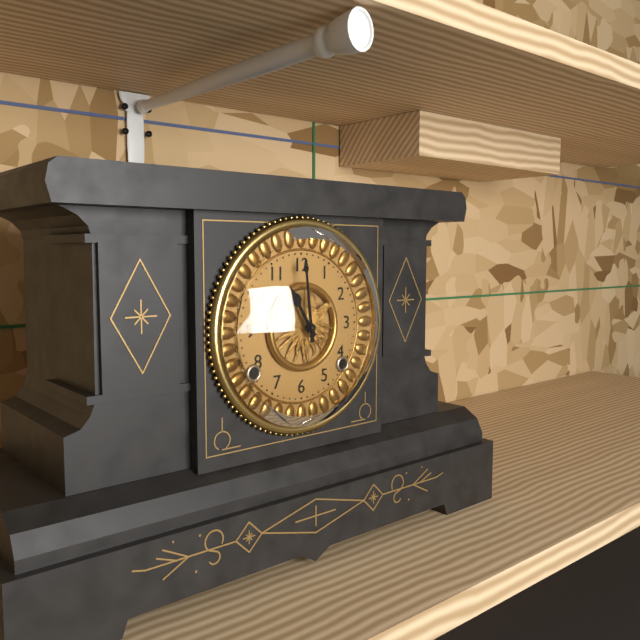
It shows **10:59**
